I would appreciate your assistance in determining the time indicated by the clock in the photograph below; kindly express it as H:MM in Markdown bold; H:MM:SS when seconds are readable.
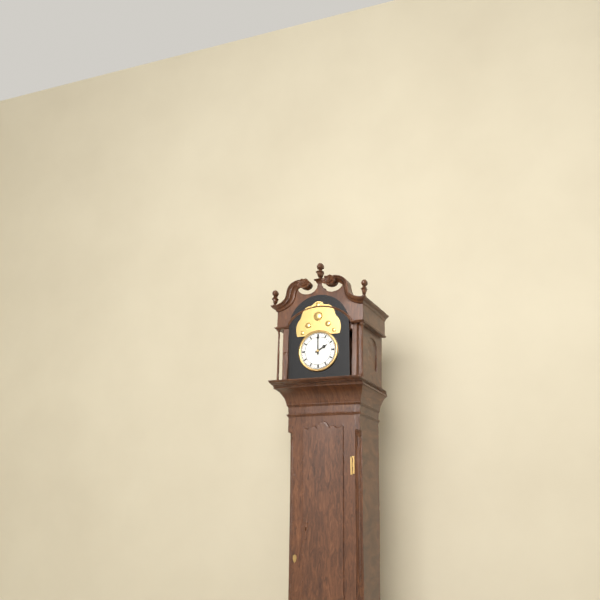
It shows **2:00**
